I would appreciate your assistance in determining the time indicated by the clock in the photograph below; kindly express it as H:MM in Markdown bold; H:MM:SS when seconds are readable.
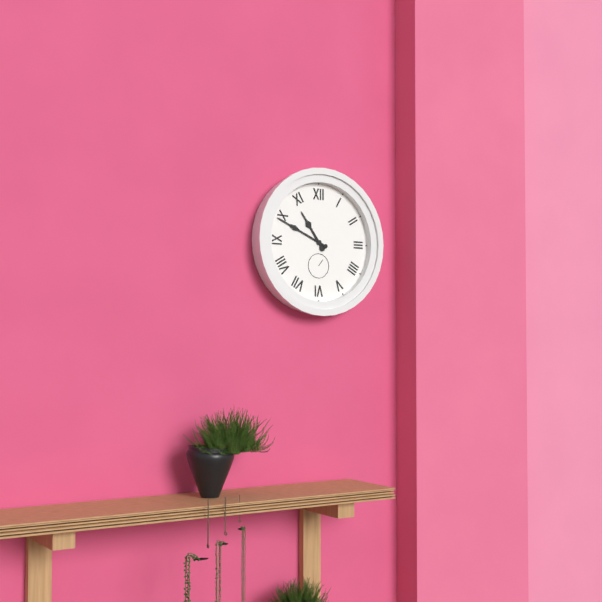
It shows **10:49**
